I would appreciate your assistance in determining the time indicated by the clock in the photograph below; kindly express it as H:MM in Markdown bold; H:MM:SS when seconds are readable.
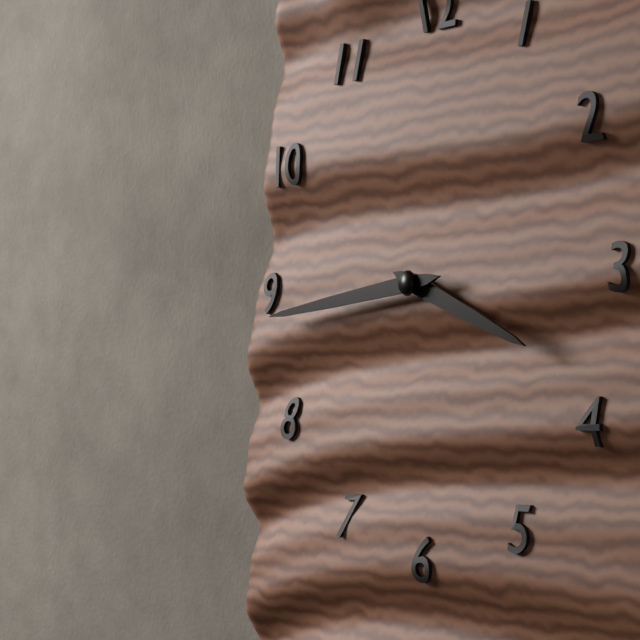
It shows **3:44**
